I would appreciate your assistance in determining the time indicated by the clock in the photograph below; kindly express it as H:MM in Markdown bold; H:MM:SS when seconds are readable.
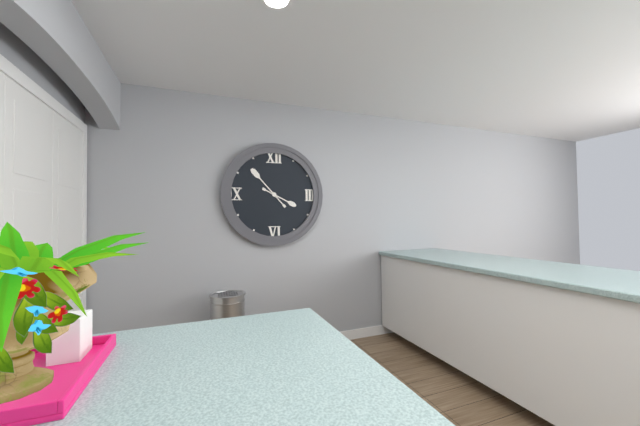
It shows **3:53**
